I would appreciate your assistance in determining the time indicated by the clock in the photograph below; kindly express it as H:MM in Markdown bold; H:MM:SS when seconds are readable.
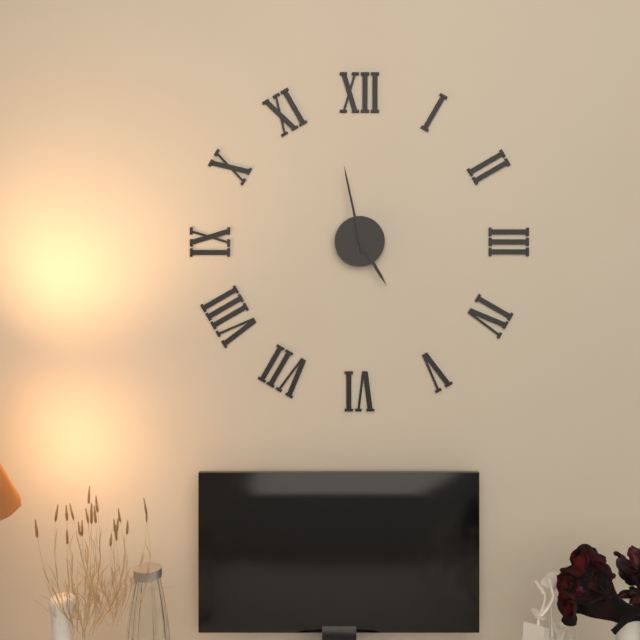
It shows **4:58**
